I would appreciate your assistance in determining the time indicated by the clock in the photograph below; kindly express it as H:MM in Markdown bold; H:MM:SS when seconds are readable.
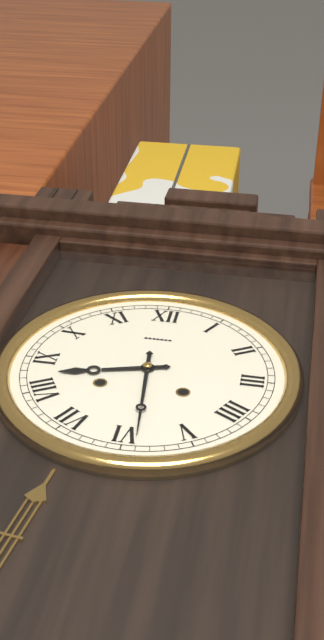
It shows **8:29**
